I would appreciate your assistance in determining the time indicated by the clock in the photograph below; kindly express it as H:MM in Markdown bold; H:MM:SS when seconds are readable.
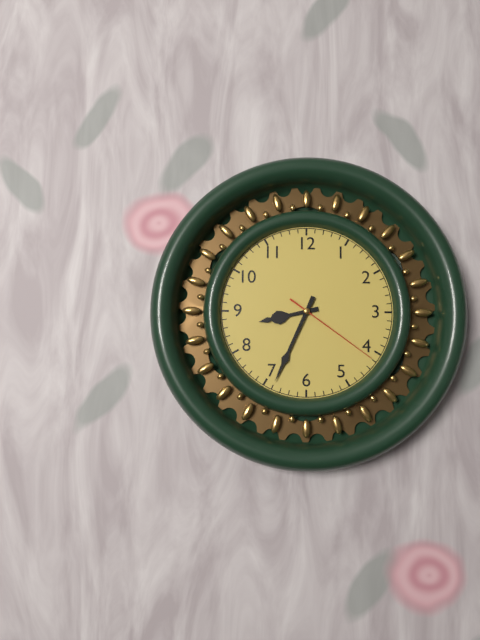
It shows **8:34:21**
